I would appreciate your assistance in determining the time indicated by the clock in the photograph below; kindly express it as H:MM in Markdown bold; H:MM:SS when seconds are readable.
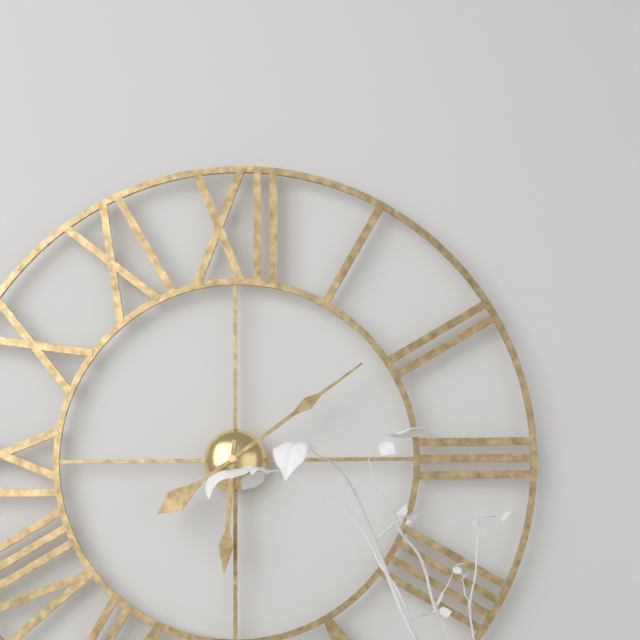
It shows **6:09**
